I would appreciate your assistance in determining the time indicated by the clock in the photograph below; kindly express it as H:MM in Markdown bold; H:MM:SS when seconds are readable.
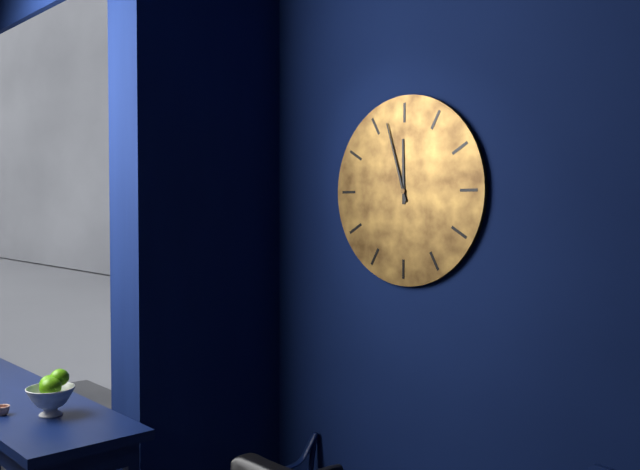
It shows **11:57**
